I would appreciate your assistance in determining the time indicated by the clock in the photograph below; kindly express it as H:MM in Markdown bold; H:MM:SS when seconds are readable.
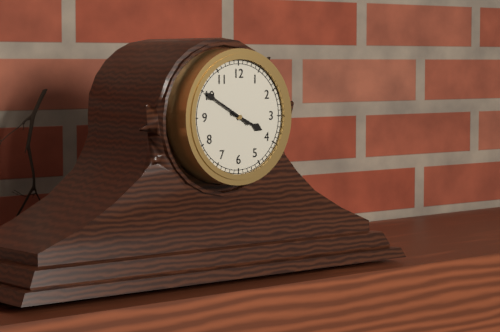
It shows **3:50**
